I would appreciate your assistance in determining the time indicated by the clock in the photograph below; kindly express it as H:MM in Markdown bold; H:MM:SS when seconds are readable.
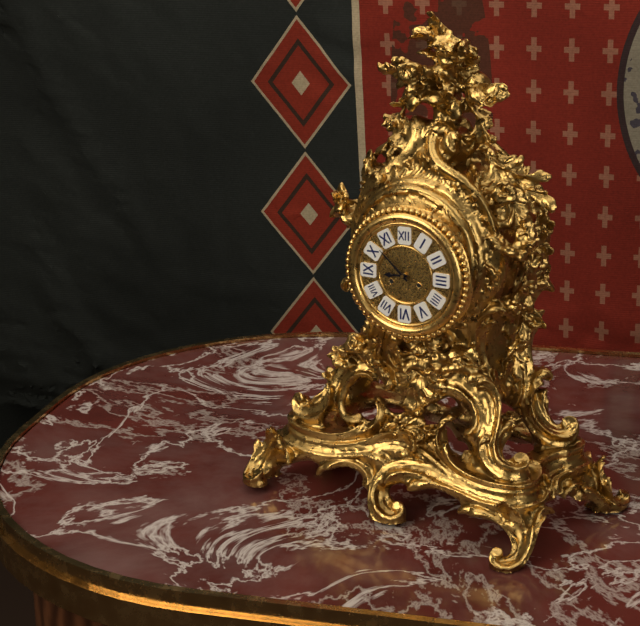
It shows **8:52**
